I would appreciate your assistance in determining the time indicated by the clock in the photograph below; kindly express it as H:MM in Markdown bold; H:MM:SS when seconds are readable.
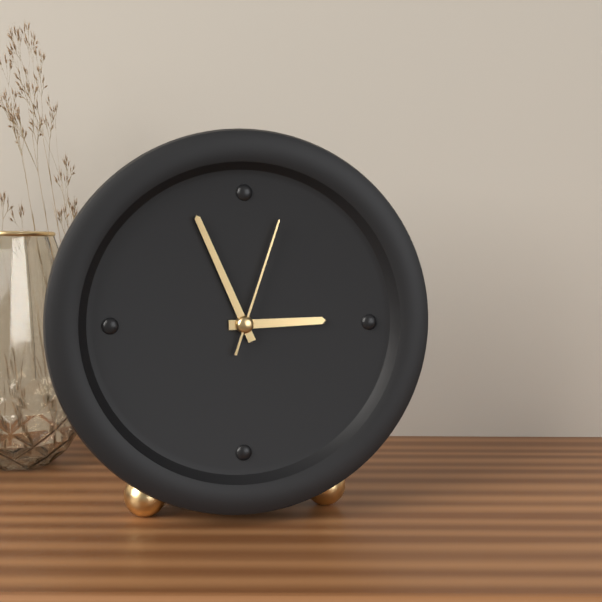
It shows **2:56:03**
